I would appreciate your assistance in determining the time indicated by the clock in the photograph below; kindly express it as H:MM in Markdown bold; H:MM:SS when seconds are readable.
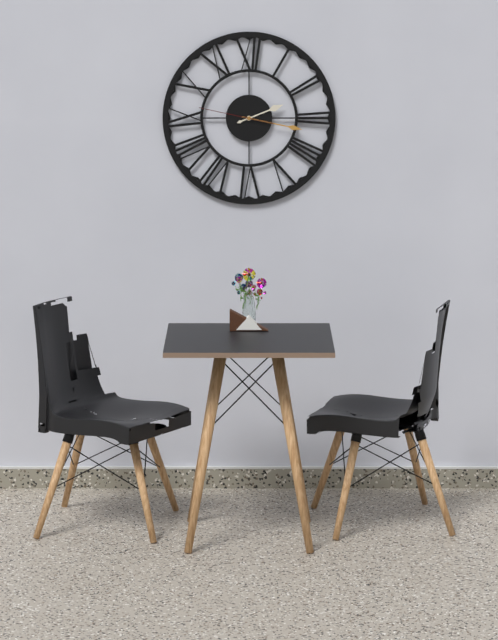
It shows **2:17:47**
